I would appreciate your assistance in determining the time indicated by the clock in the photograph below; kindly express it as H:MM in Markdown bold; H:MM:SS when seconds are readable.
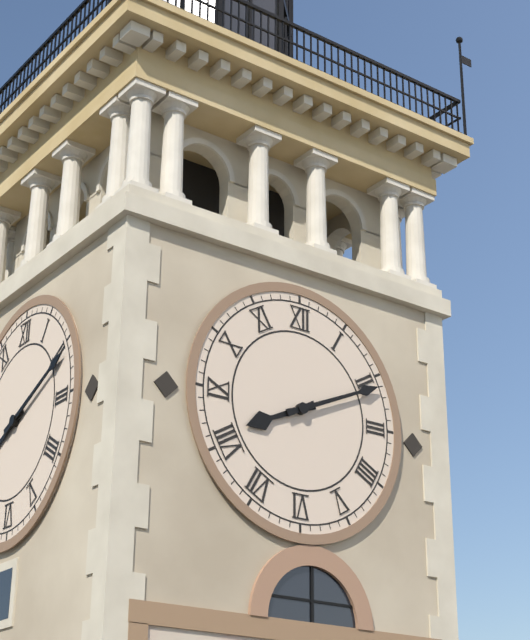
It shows **8:11**
